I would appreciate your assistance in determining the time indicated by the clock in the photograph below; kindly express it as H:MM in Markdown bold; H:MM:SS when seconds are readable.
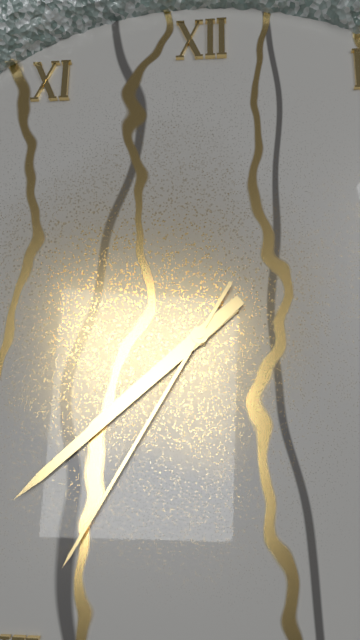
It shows **7:38:35**
